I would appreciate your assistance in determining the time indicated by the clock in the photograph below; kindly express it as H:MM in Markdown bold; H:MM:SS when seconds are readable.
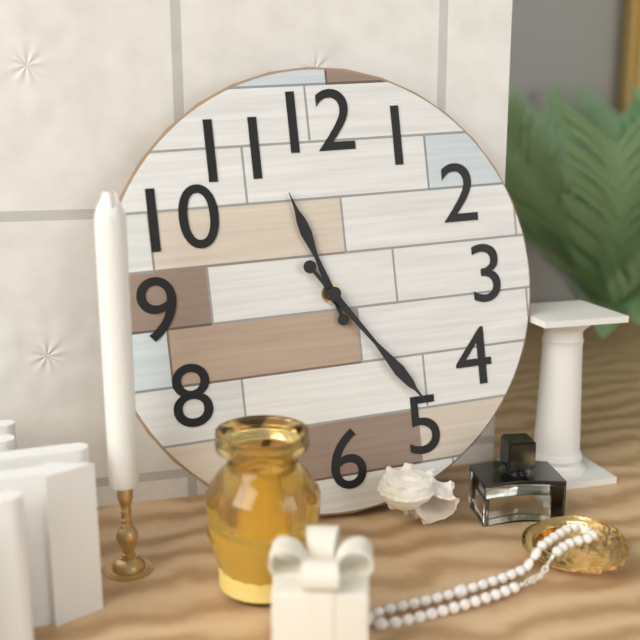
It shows **11:24**
